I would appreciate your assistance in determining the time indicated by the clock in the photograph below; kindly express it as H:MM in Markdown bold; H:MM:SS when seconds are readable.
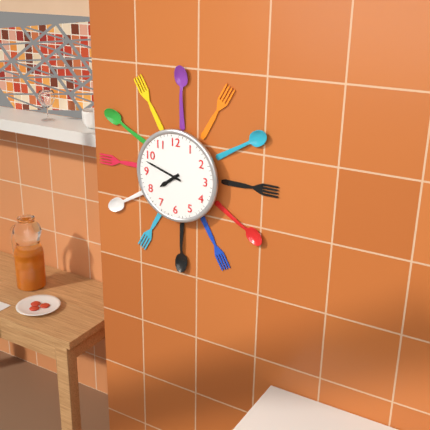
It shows **7:48**
